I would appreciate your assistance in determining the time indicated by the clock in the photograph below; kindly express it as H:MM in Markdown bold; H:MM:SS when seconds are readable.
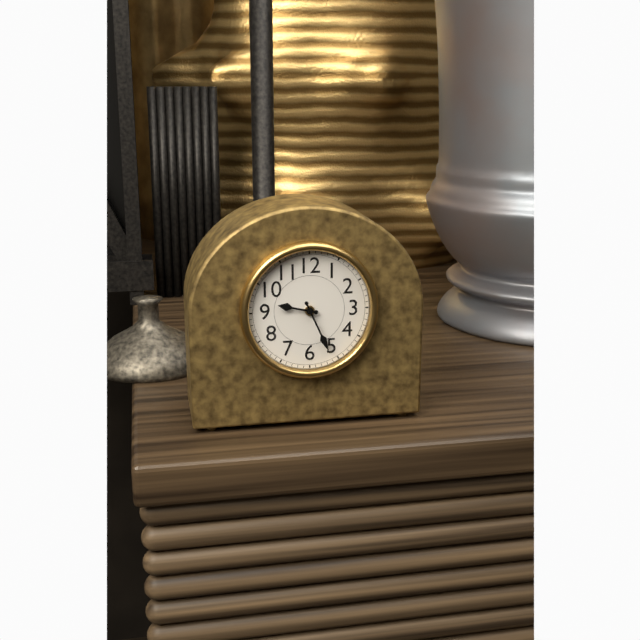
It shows **9:26**
